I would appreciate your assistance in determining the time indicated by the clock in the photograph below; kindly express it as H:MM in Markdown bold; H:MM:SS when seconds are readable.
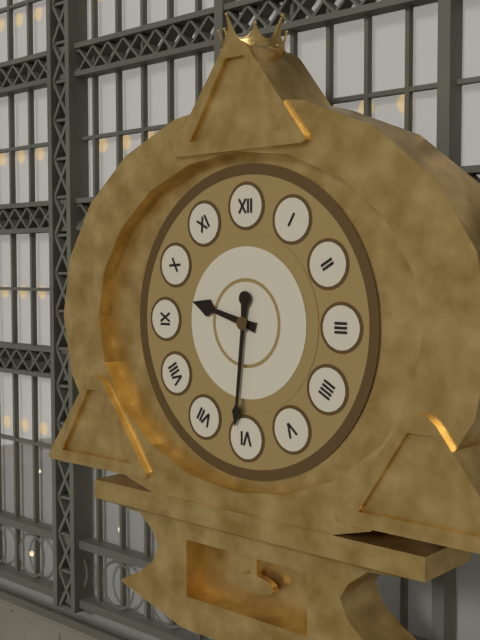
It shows **9:31**
